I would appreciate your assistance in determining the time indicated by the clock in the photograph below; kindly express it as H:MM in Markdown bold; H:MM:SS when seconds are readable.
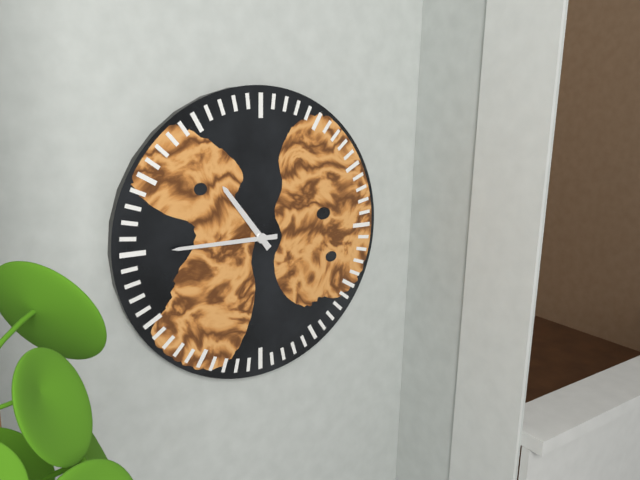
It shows **10:45**
